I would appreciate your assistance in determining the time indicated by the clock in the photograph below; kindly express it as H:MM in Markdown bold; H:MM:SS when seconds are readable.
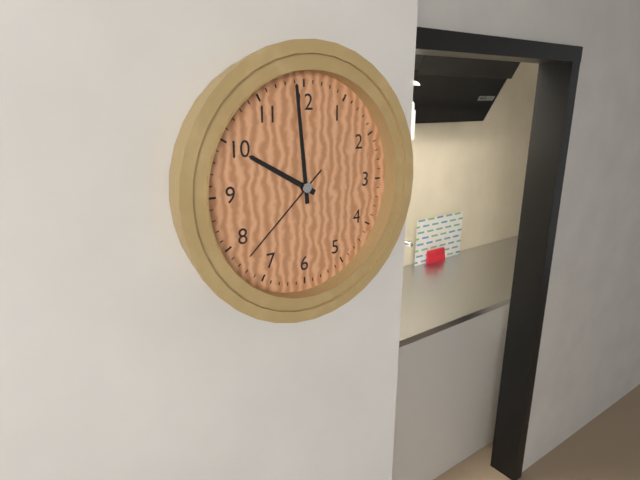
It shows **9:59:38**
